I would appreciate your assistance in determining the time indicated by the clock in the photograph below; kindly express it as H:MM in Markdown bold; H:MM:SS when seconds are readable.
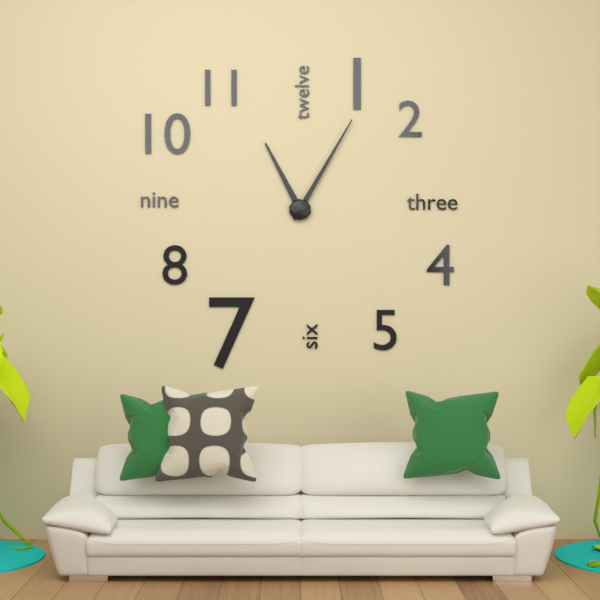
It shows **11:05**
